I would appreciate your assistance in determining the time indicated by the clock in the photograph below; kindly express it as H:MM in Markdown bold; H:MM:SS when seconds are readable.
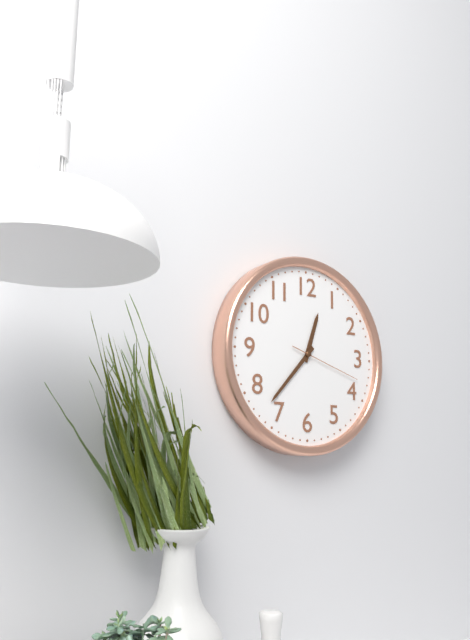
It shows **12:37:18**
